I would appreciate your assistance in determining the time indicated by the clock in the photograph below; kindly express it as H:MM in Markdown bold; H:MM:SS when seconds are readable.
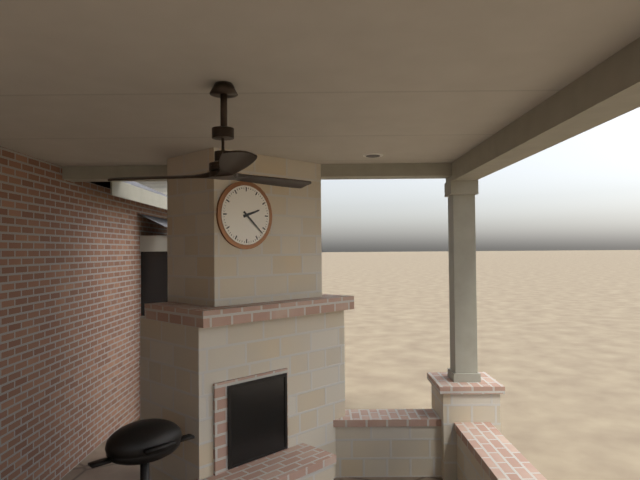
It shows **2:22**
